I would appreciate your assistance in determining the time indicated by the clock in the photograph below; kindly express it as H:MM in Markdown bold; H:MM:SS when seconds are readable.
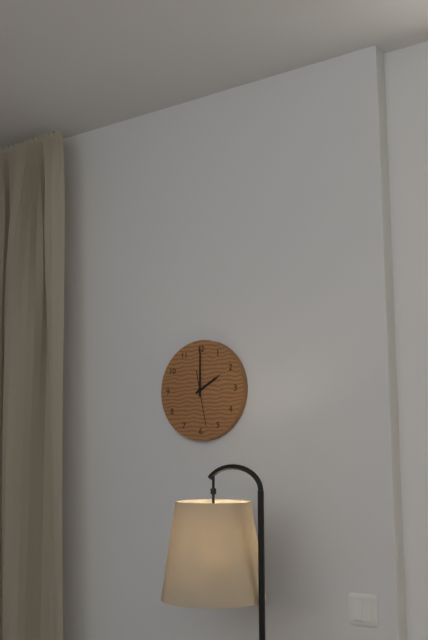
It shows **2:00**
